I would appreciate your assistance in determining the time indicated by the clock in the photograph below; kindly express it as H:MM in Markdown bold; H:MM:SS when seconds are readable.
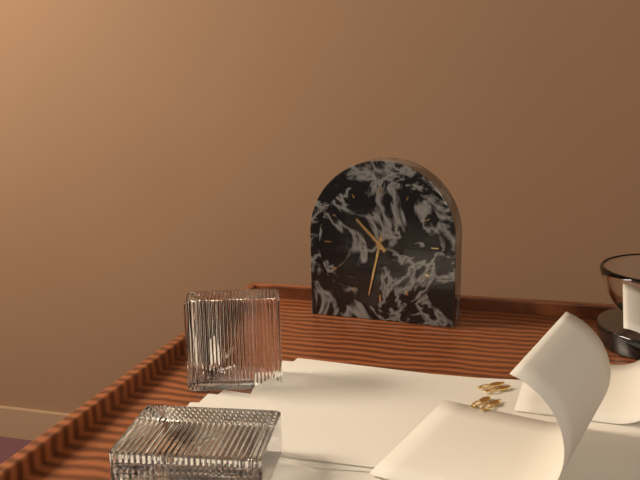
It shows **10:32**
